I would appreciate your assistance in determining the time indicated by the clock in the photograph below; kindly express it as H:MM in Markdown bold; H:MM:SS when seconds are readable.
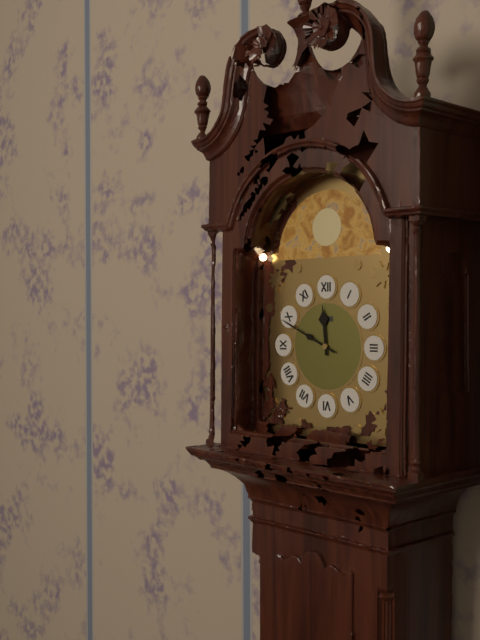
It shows **11:49**
